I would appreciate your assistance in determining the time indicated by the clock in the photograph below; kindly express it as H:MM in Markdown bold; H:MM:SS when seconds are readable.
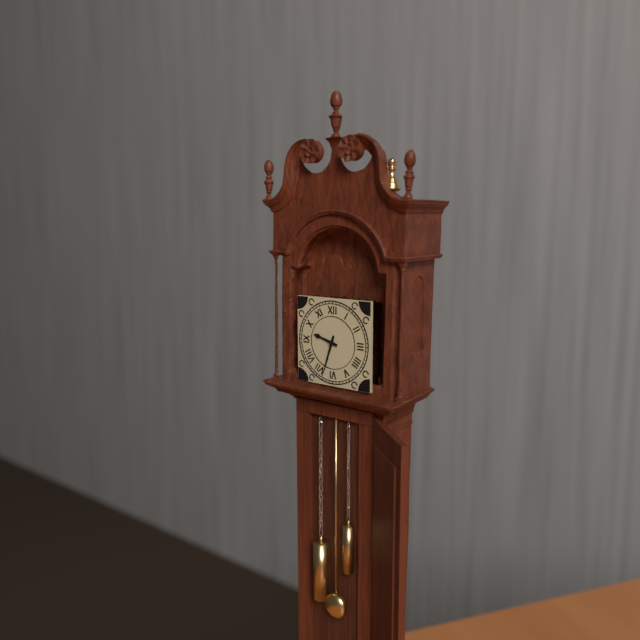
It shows **9:33**
